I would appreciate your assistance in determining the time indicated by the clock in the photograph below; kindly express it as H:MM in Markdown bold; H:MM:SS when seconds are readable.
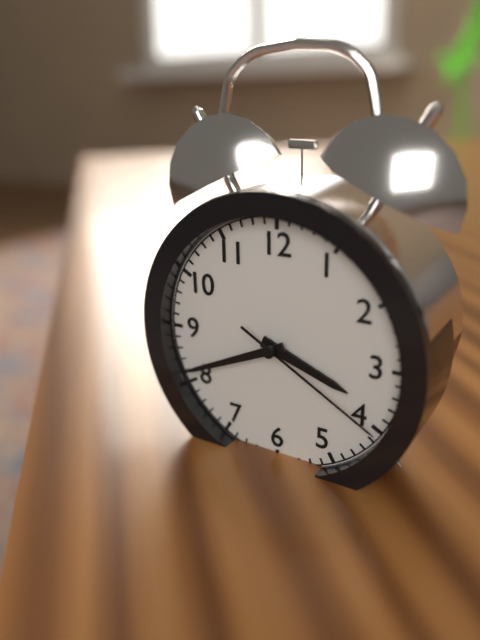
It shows **3:41:20**
